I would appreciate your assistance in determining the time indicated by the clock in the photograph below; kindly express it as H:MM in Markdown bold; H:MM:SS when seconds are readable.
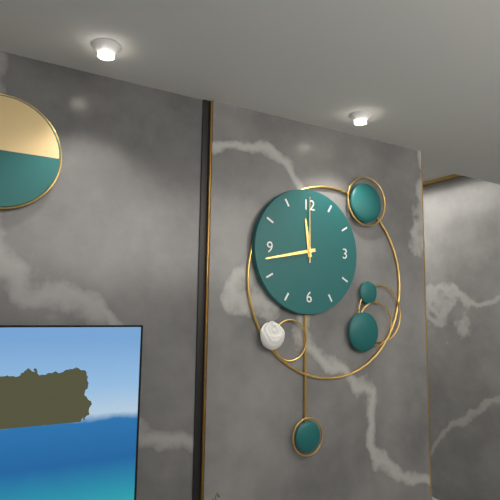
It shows **11:43:00**
